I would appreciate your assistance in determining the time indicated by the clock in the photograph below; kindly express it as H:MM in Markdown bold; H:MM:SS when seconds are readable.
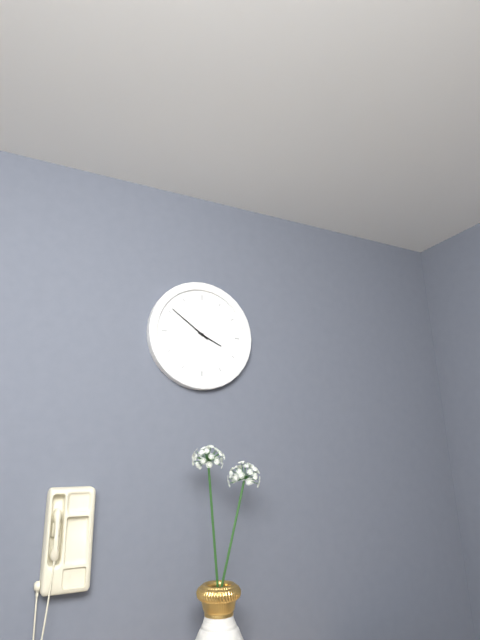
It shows **3:51**
